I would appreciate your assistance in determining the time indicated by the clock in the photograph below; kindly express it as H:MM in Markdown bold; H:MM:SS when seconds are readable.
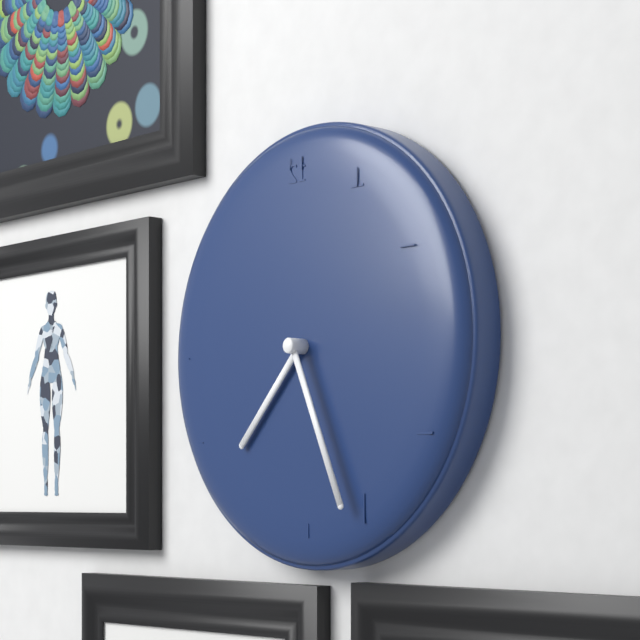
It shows **7:26**
